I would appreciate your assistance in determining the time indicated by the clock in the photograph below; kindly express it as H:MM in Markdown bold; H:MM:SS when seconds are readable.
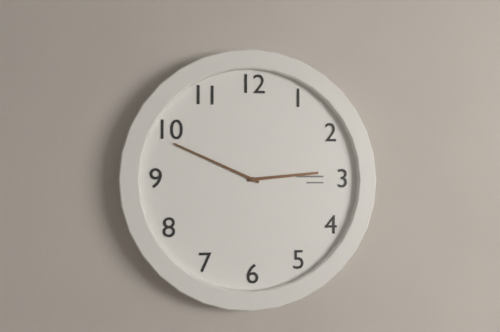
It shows **2:49**
